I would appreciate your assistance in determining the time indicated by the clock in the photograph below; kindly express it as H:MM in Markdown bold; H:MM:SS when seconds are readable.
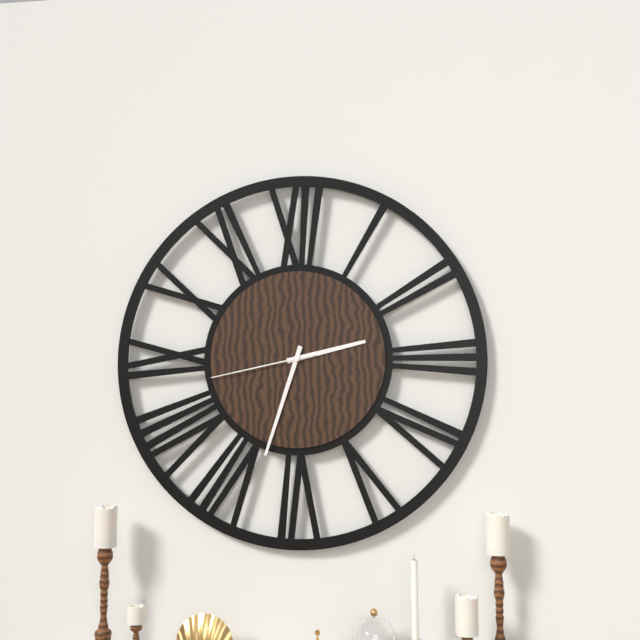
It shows **2:33:43**
